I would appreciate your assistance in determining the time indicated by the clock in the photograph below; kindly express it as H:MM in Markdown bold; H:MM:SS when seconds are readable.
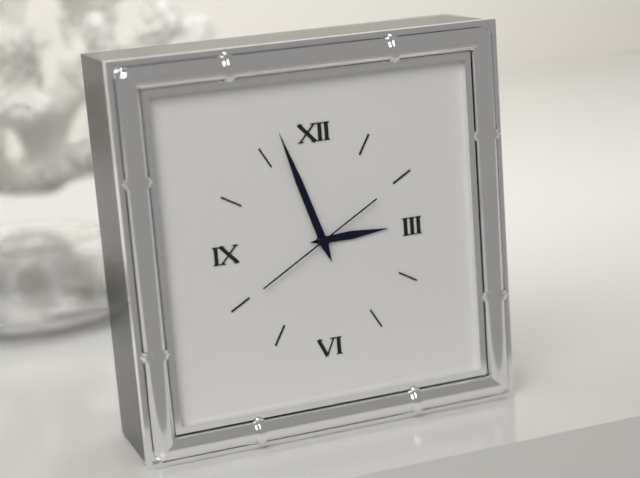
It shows **2:57:40**
